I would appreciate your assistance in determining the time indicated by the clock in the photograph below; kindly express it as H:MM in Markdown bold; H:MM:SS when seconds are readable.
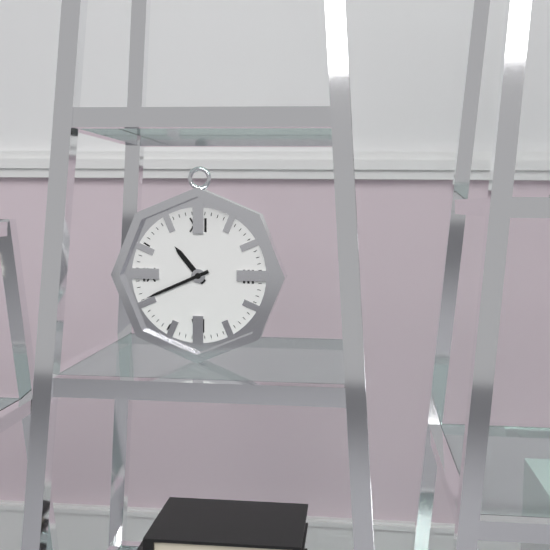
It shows **10:41**
